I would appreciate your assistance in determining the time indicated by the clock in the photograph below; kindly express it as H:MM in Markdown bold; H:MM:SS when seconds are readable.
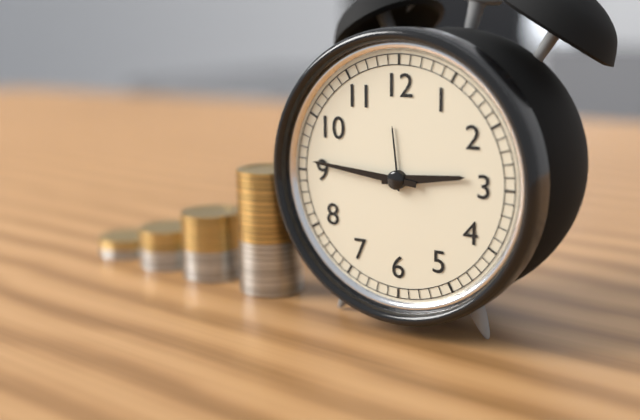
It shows **2:46**
